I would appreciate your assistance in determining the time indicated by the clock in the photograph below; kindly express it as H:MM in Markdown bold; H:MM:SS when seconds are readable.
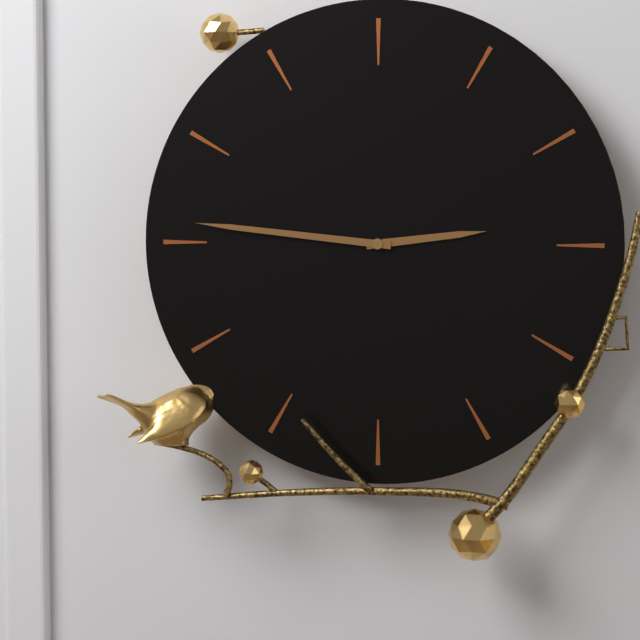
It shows **2:46**
